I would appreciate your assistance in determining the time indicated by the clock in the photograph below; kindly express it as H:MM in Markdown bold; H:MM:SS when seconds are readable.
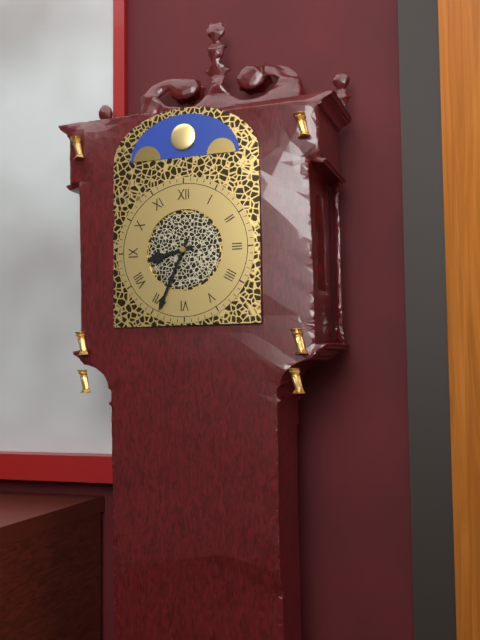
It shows **8:34**
